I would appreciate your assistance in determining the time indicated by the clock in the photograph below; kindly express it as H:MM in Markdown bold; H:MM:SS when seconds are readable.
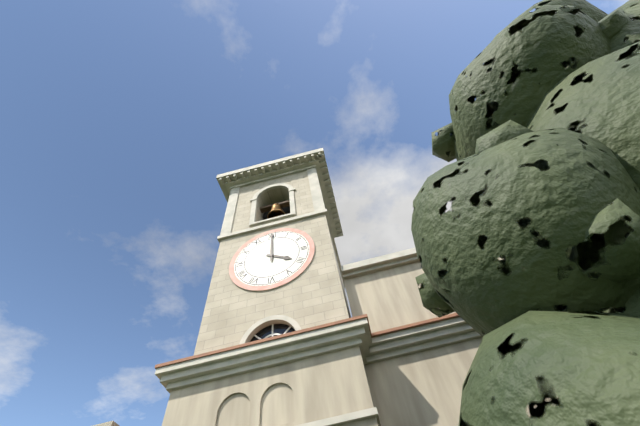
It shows **4:00**
